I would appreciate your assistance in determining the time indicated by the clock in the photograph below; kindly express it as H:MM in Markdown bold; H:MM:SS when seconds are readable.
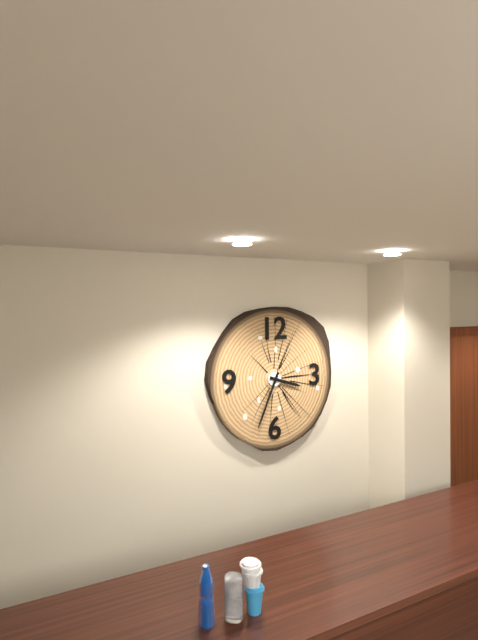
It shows **3:34**
